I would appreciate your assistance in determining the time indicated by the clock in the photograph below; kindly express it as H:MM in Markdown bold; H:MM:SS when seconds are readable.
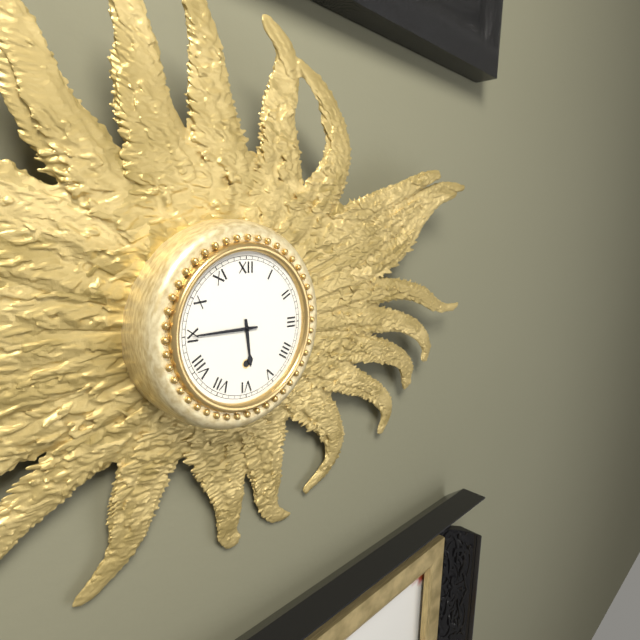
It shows **5:45**
